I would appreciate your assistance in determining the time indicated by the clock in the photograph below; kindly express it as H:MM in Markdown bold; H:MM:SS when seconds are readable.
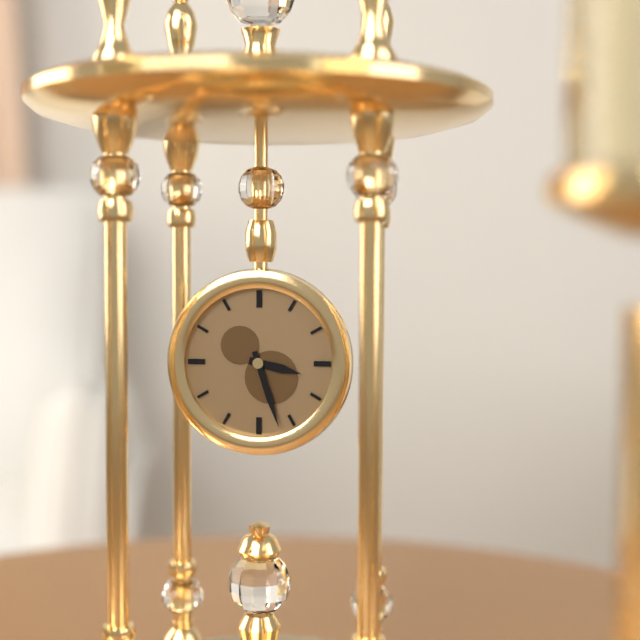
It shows **3:27**
